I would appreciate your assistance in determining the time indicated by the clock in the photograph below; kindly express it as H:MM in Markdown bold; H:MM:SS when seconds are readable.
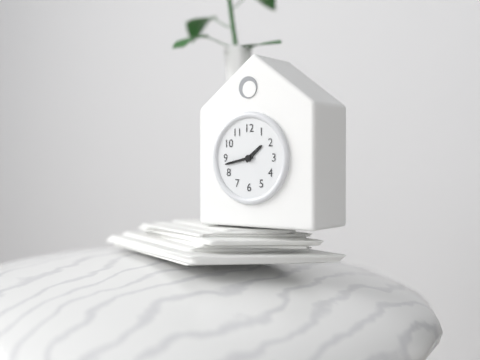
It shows **1:43**
